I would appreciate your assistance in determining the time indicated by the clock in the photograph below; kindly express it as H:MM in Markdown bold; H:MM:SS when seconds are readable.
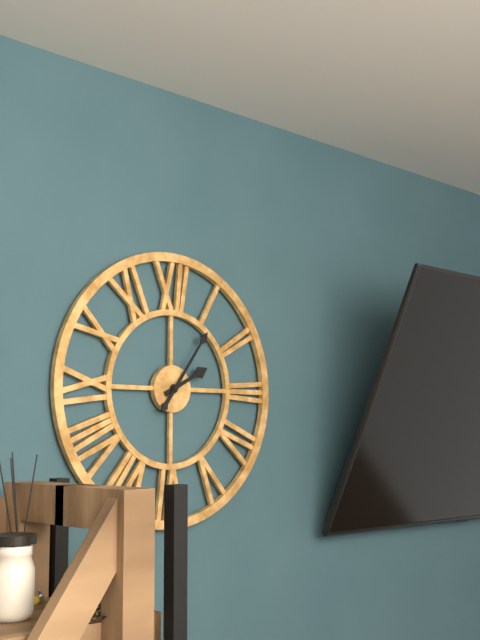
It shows **2:06**
